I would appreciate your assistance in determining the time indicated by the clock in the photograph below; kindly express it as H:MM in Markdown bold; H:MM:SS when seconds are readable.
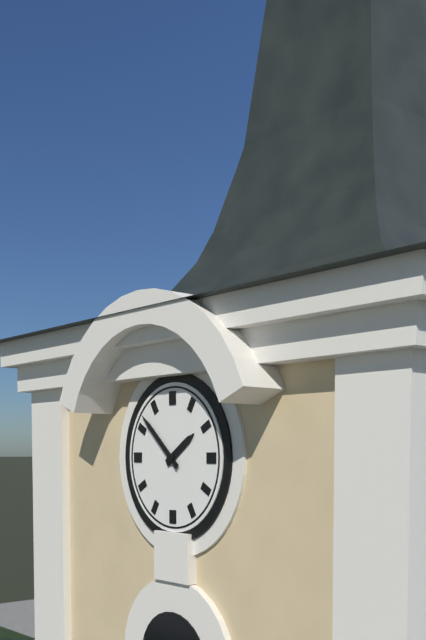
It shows **1:52**
